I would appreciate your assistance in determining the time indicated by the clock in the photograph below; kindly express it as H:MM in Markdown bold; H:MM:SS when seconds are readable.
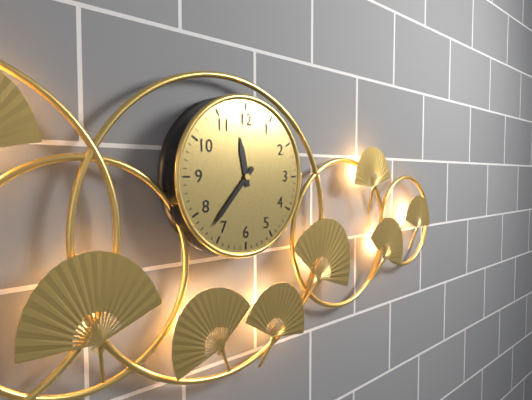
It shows **11:37**
